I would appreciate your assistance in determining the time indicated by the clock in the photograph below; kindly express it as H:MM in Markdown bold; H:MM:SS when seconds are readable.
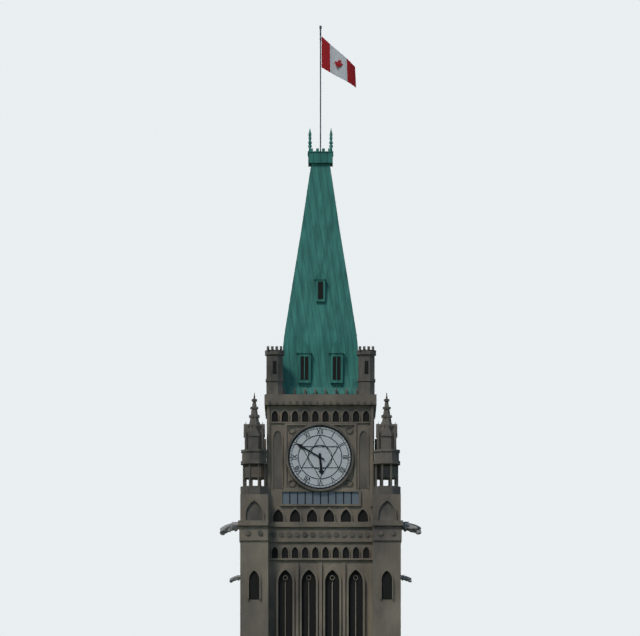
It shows **5:50**
